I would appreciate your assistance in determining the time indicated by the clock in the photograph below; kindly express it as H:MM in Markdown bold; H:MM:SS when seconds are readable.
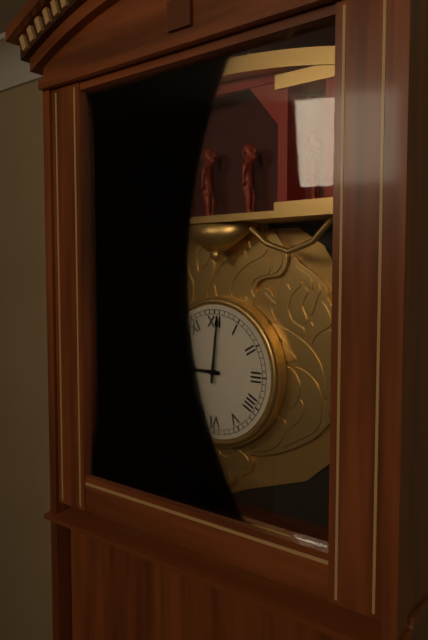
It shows **9:01**
